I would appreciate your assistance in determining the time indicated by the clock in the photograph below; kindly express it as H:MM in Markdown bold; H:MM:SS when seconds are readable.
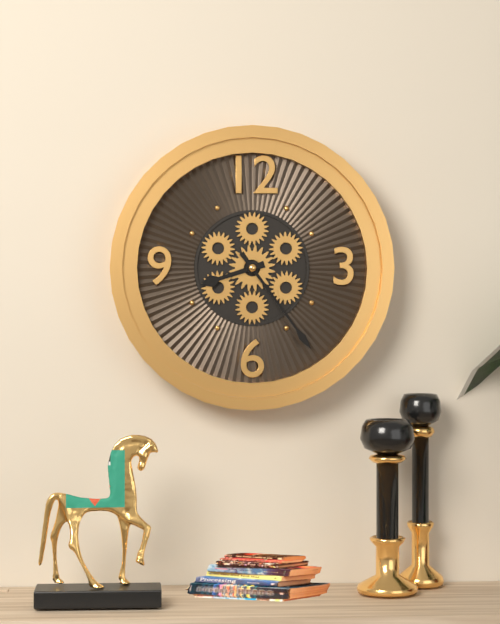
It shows **8:24**
